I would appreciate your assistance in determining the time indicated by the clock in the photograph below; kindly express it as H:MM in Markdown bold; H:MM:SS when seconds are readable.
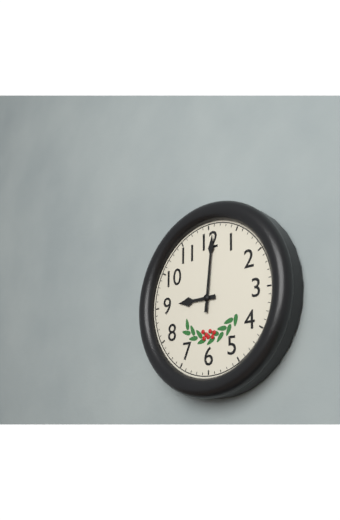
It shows **9:01**
